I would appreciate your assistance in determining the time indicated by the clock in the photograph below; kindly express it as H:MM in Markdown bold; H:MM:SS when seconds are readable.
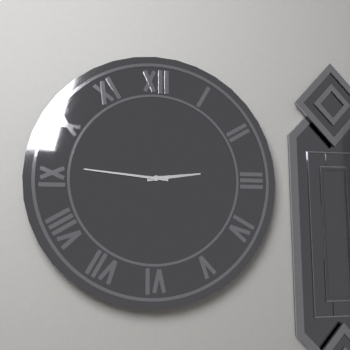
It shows **2:46**
